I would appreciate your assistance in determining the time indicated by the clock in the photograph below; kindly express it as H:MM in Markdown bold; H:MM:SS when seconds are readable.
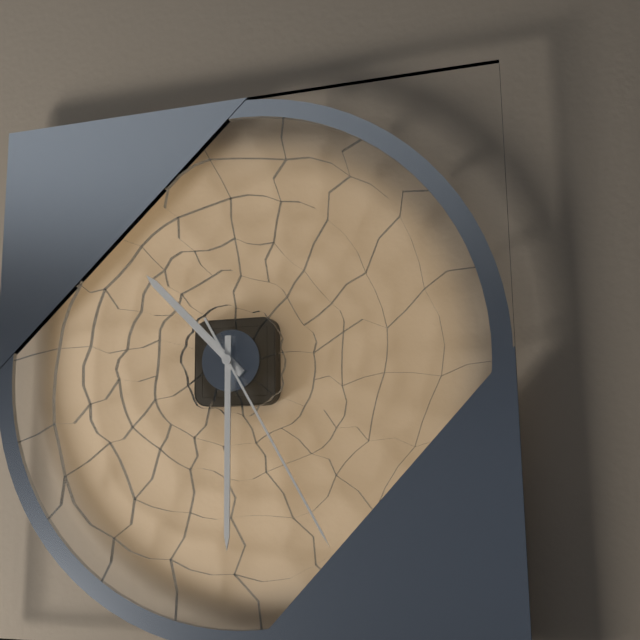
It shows **10:30:25**
